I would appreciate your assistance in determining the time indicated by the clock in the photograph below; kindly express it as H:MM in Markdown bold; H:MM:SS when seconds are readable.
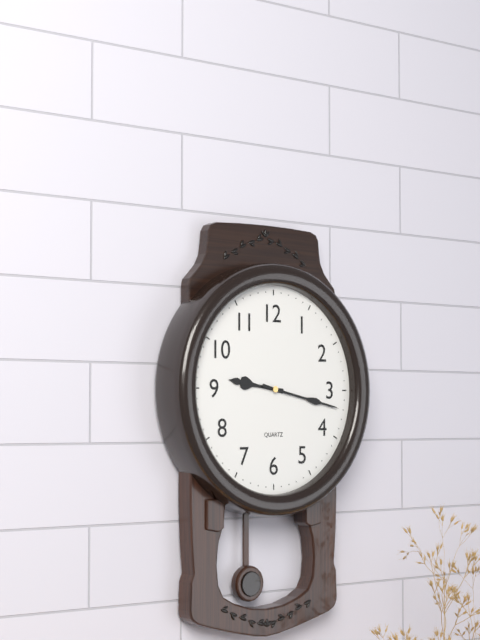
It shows **9:17**
